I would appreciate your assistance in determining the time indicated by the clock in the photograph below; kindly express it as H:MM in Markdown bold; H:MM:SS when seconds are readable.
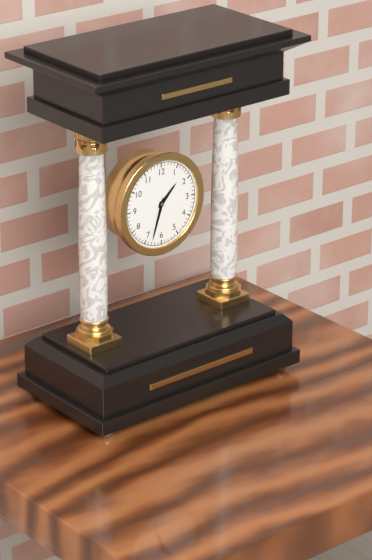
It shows **1:33**
